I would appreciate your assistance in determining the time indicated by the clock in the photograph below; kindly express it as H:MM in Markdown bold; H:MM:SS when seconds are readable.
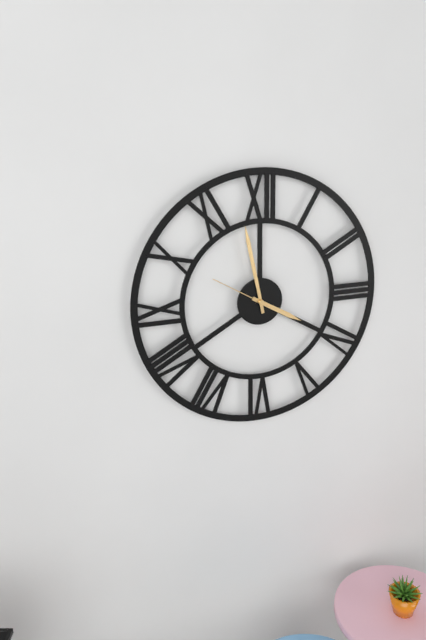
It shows **3:58:50**
